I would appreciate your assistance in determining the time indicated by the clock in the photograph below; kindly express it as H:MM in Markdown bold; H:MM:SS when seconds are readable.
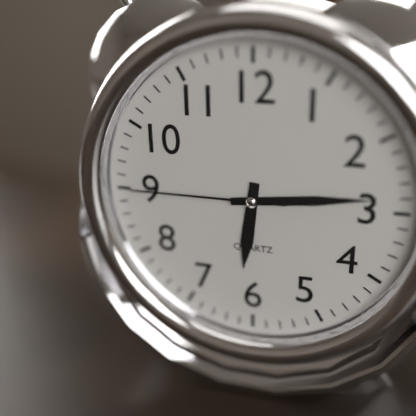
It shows **6:14:45**
